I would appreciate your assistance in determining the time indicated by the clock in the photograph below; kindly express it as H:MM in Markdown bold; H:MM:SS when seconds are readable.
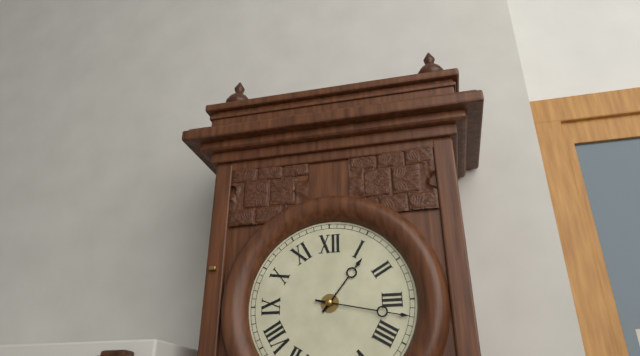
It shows **1:17**
